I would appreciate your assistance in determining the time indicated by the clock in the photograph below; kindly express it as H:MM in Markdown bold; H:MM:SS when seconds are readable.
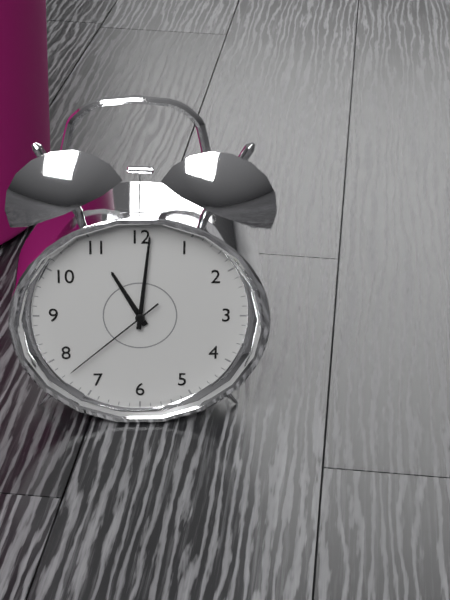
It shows **11:01:38**
